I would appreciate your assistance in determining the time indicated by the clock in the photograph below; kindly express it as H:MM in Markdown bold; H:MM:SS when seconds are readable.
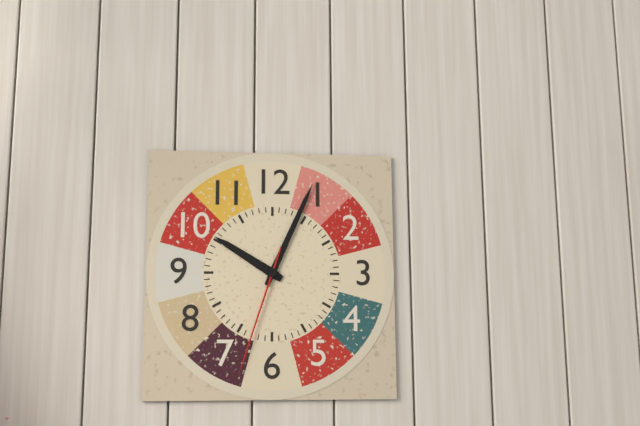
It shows **10:04:33**
